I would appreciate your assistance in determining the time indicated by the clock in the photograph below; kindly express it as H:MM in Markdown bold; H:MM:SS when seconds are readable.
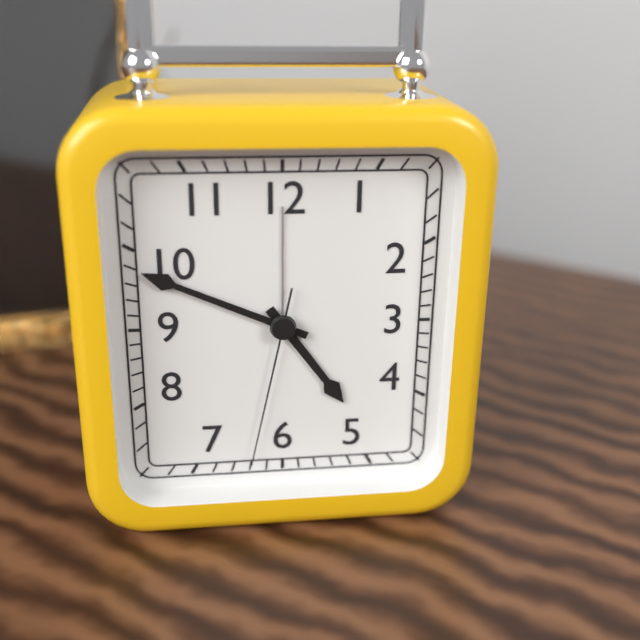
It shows **4:49:32**
